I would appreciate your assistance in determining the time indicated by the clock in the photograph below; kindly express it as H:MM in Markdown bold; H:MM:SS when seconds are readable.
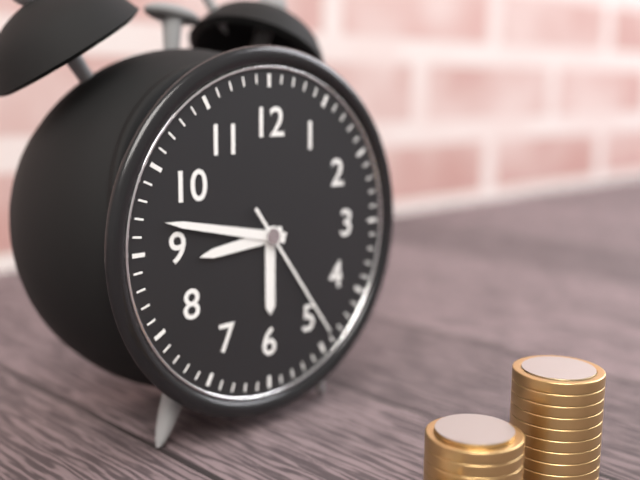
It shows **8:47:24**
